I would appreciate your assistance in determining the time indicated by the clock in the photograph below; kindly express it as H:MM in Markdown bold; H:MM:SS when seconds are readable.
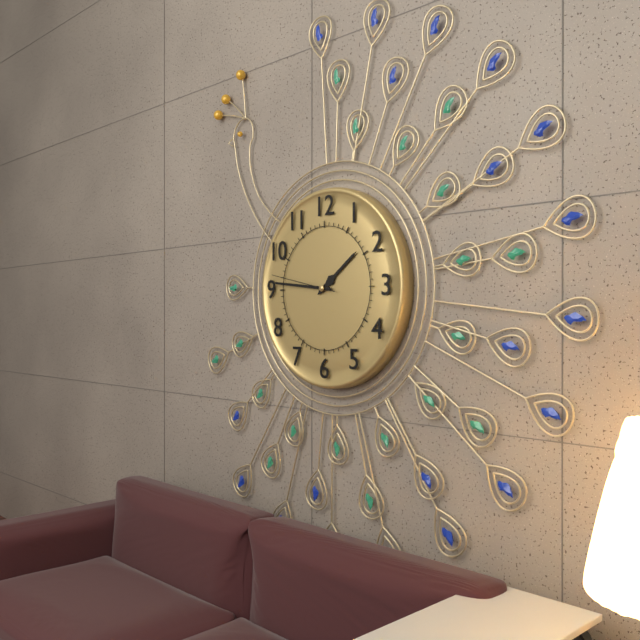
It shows **1:46:47**
